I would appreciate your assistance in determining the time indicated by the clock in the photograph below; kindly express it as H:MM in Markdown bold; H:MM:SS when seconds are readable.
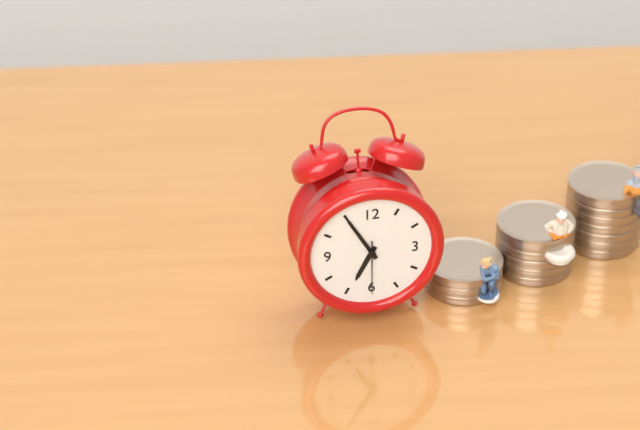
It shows **6:55:30**
